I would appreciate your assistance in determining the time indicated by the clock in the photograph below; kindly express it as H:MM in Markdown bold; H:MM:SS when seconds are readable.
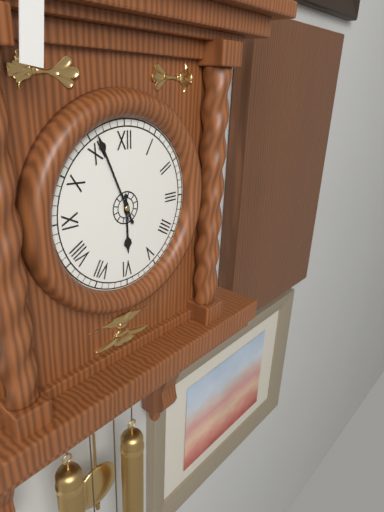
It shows **5:56**
